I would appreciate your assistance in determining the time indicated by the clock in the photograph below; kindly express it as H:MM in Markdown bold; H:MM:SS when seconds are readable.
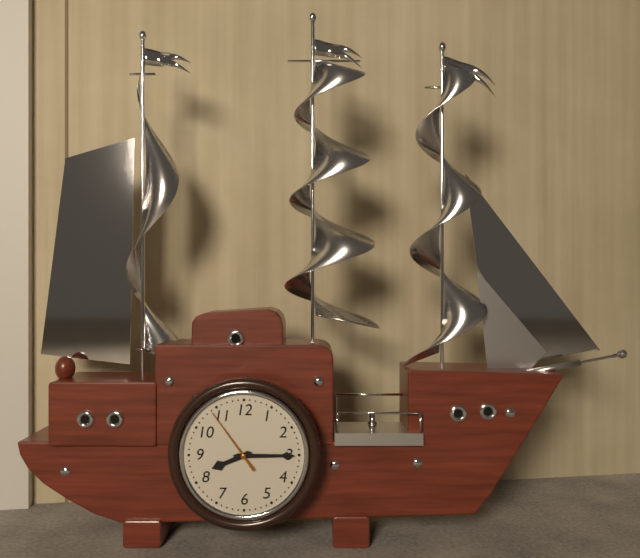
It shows **8:15:54**
